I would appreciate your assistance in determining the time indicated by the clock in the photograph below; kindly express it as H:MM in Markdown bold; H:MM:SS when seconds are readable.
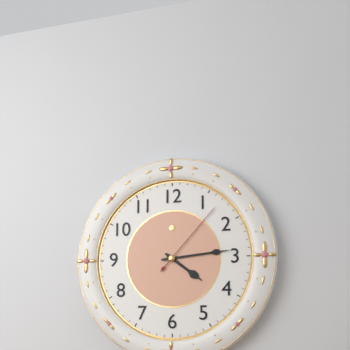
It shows **4:14:07**
